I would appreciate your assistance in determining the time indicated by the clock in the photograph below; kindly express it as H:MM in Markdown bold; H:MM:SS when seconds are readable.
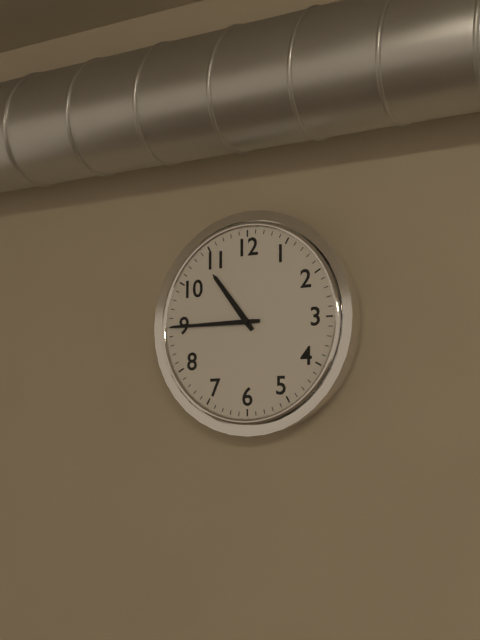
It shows **10:45**
